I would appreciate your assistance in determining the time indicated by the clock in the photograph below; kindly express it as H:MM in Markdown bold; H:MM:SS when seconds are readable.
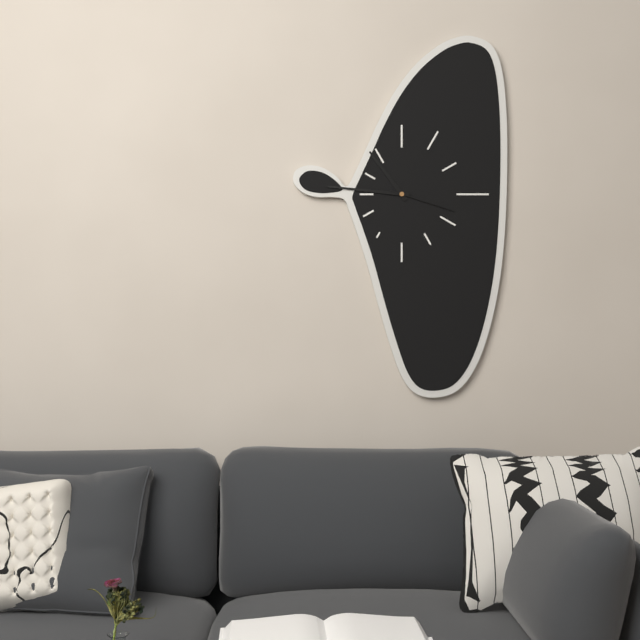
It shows **10:46:18**
